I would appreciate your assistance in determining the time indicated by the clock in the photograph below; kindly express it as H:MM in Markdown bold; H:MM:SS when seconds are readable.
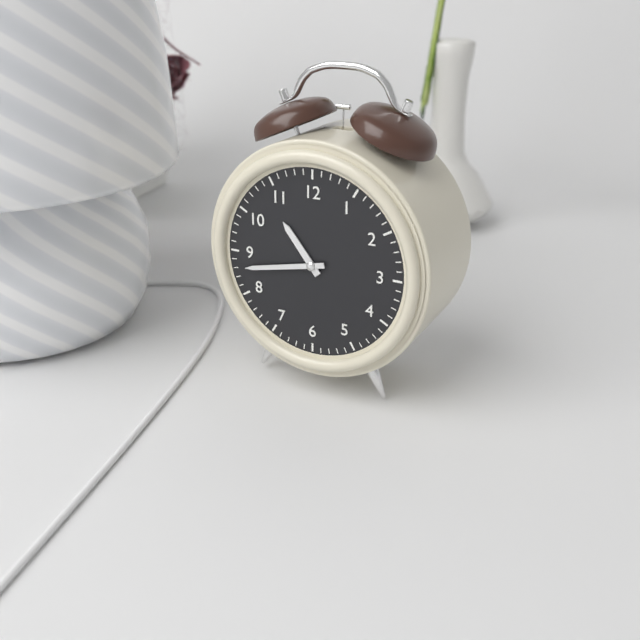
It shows **10:43**
